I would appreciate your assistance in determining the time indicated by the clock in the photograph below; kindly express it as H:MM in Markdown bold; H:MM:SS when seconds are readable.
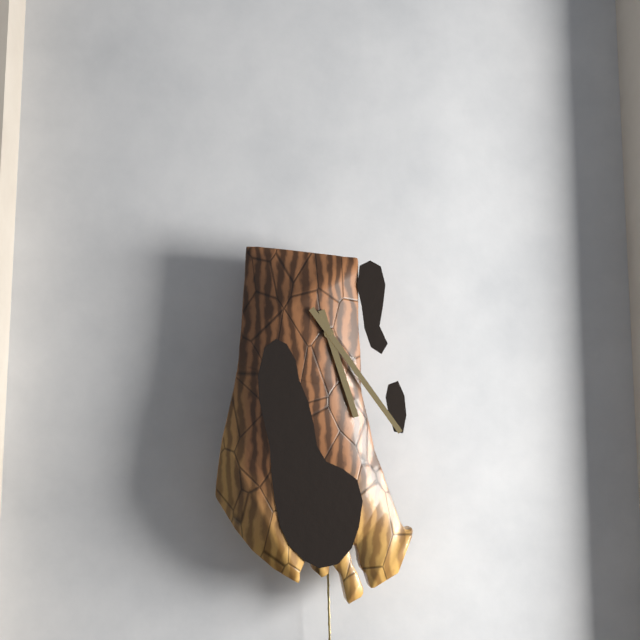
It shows **5:24**
